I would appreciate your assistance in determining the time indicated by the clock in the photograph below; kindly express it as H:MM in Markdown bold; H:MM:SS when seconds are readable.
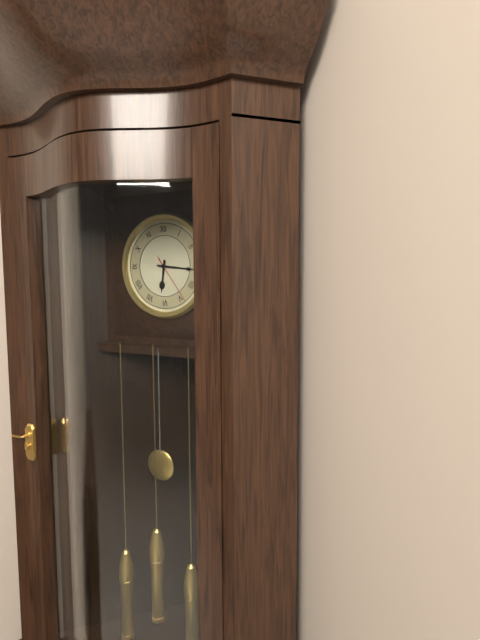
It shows **6:16:24**
